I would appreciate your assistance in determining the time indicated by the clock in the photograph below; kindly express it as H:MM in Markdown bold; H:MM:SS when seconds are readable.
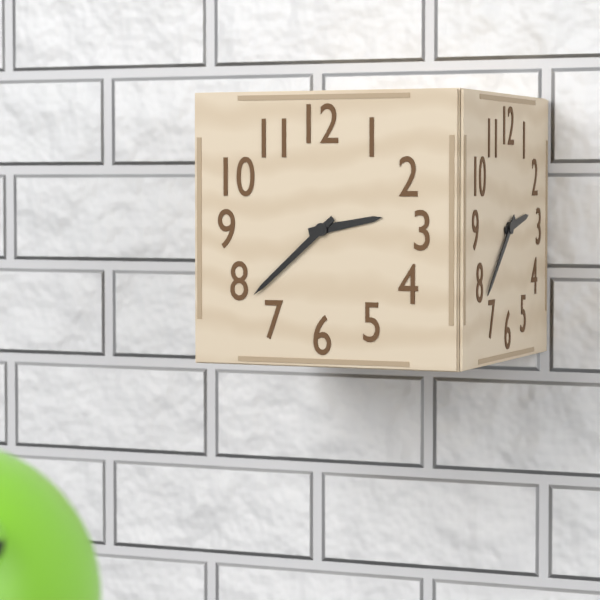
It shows **2:38**
